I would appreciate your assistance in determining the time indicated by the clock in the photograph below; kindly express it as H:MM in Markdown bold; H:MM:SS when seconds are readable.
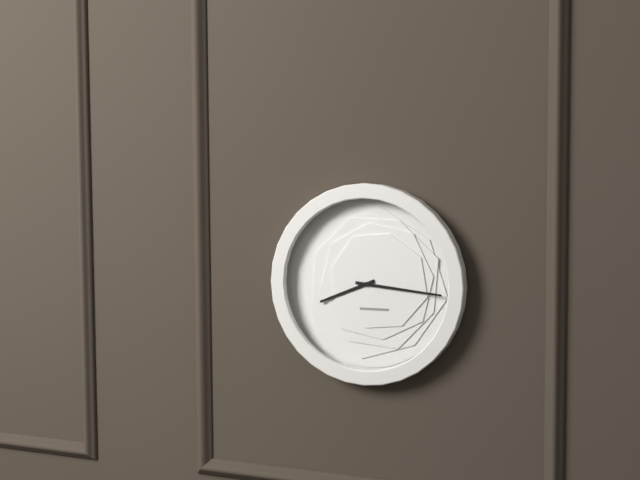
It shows **8:16**
